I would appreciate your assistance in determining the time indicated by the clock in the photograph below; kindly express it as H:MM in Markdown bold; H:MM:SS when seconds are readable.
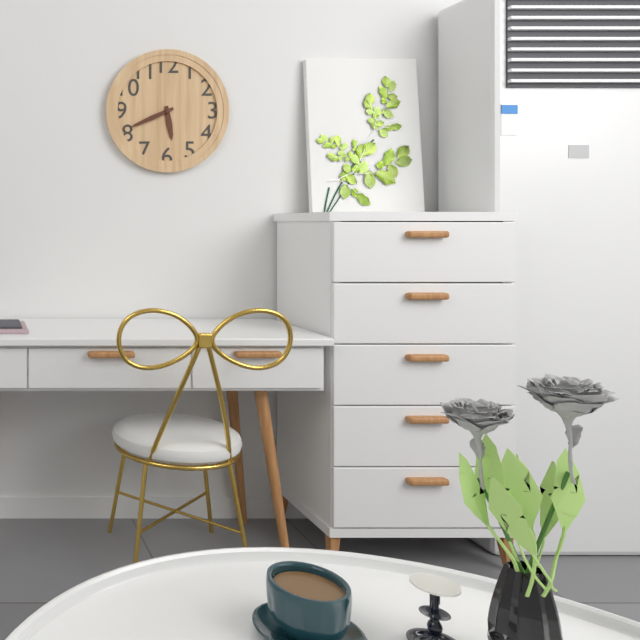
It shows **5:41**
